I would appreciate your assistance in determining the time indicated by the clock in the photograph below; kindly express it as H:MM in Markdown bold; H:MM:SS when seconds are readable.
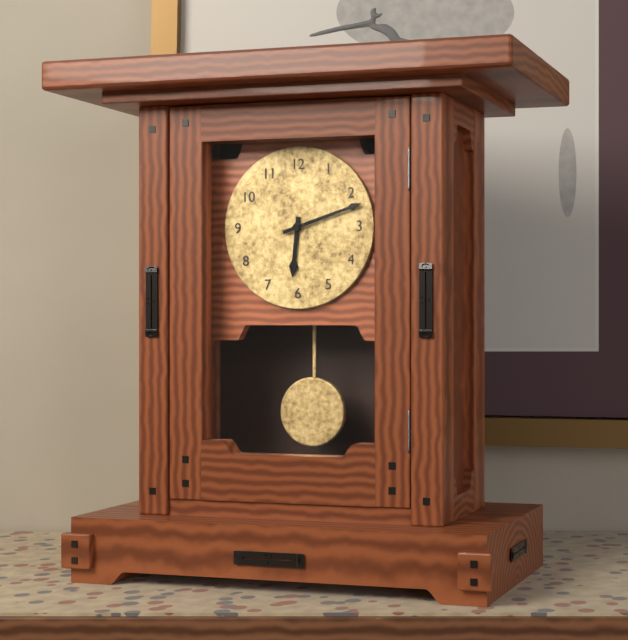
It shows **6:12**
